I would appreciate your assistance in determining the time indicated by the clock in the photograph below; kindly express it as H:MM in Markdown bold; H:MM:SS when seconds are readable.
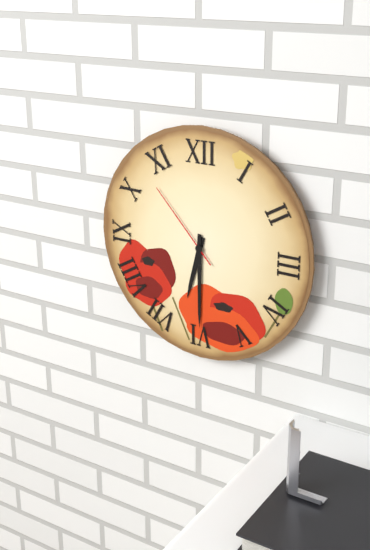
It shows **6:30:53**
